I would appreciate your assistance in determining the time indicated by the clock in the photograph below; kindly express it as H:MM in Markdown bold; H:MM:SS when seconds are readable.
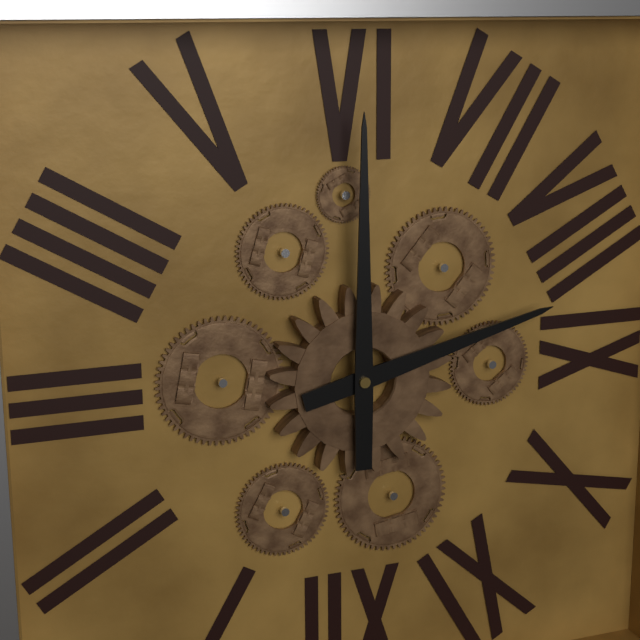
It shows **8:30**
